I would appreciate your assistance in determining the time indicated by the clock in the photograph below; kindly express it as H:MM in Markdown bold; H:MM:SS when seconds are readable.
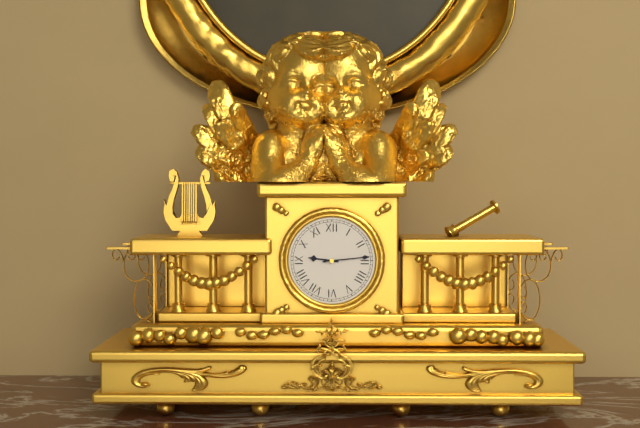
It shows **9:14**
